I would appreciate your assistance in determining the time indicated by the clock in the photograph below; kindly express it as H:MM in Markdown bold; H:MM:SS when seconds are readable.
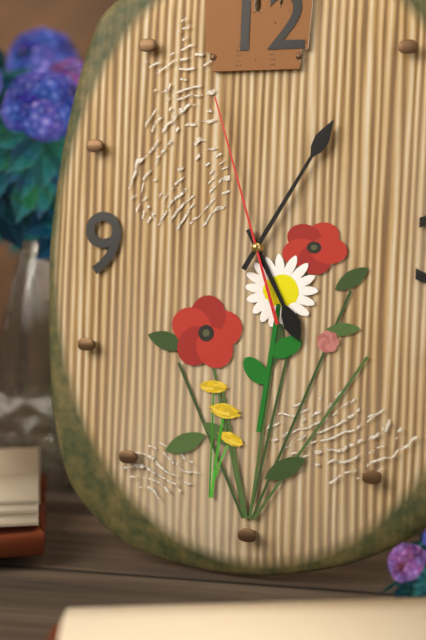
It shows **5:05:57**
